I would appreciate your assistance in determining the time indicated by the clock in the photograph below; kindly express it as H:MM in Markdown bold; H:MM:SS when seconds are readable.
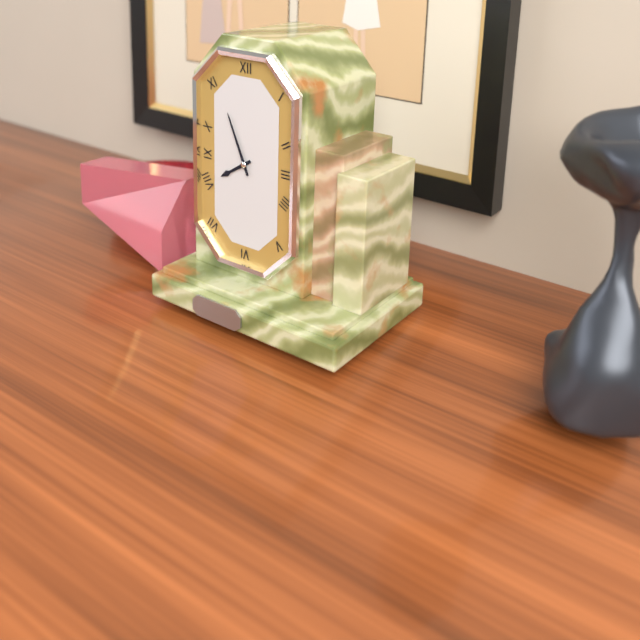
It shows **7:56**
